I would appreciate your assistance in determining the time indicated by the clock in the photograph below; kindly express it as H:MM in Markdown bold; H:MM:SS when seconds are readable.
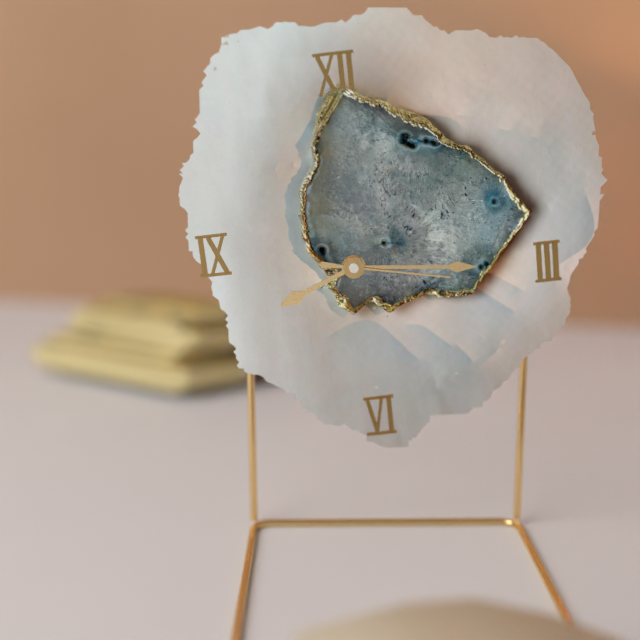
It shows **8:16:17**
